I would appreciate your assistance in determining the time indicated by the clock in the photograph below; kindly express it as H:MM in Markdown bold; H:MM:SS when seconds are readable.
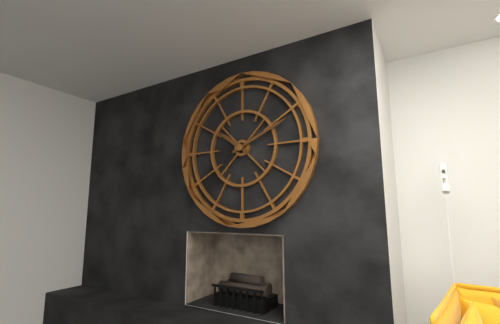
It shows **10:11**
